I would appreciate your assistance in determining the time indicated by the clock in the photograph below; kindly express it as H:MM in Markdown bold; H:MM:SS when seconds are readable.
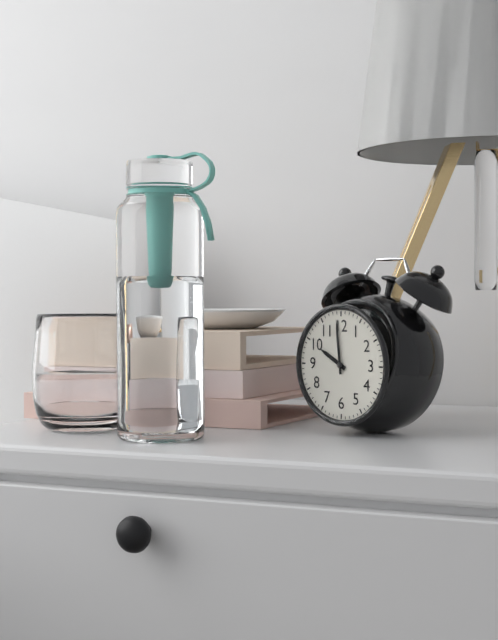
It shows **9:59**
